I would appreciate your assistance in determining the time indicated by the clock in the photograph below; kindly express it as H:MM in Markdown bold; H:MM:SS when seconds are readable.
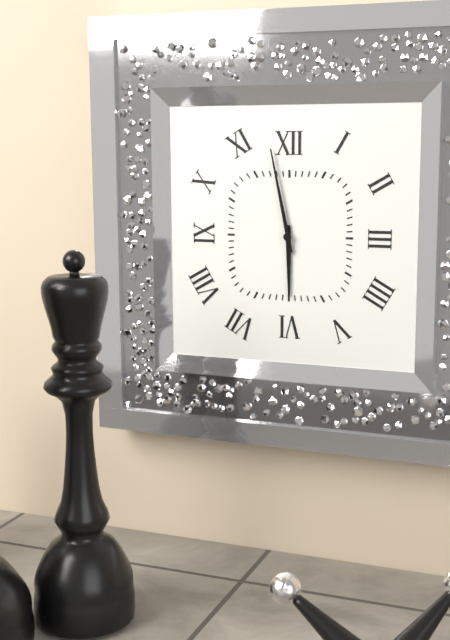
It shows **5:58**
